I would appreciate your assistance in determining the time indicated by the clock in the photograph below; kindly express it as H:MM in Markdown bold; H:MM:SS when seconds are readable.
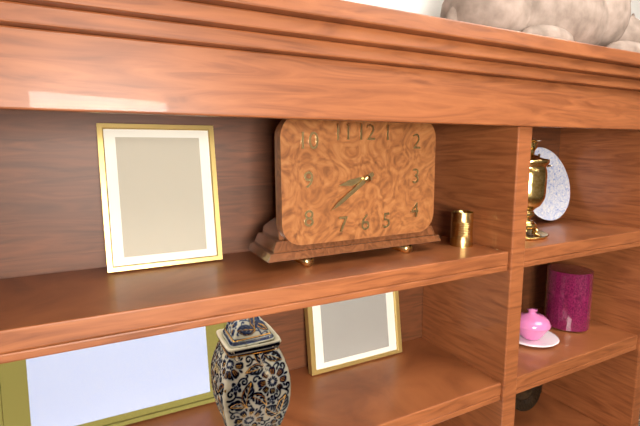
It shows **8:39**
